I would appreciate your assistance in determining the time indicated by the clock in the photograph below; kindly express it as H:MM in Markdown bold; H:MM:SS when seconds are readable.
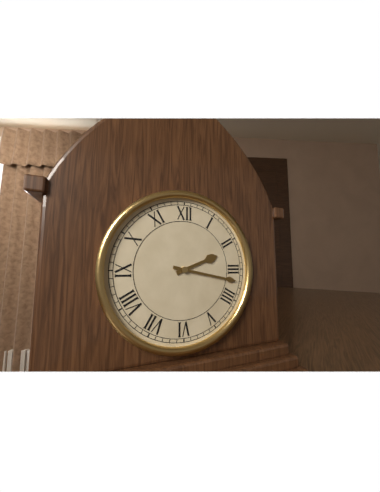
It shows **2:17**
